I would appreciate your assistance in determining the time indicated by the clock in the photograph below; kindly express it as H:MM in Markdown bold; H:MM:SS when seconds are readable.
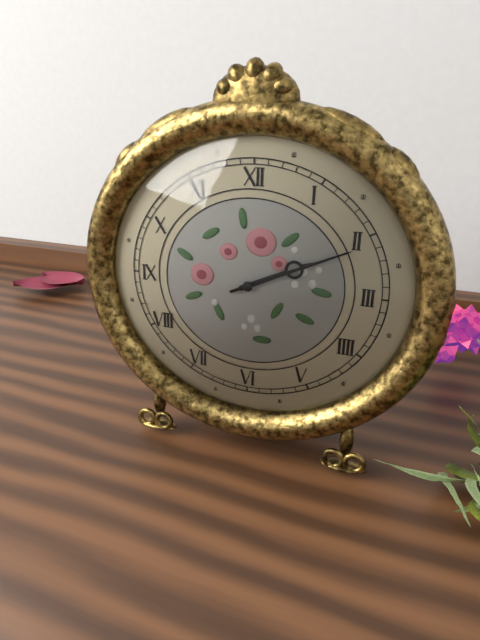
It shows **2:11**
